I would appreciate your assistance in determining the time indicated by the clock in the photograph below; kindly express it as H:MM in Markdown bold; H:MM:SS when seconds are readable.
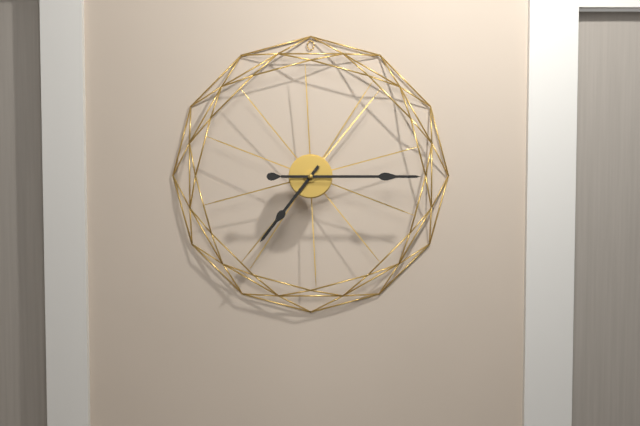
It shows **7:15**
